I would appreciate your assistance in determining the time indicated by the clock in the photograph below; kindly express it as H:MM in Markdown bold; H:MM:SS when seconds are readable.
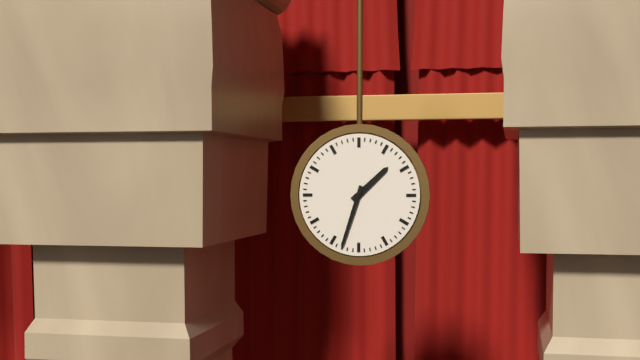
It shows **1:33**
